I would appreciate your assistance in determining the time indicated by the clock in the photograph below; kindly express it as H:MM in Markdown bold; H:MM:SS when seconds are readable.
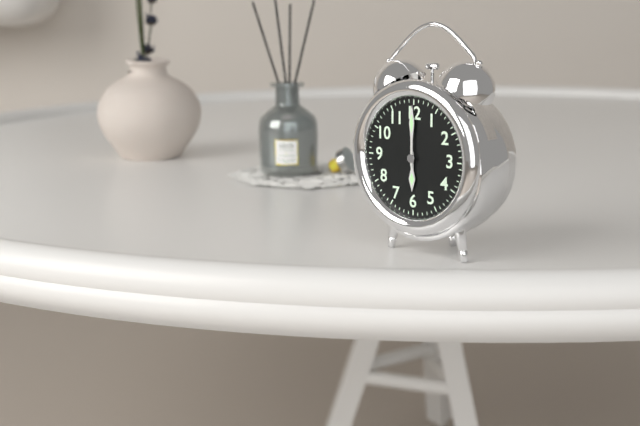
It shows **6:00**
